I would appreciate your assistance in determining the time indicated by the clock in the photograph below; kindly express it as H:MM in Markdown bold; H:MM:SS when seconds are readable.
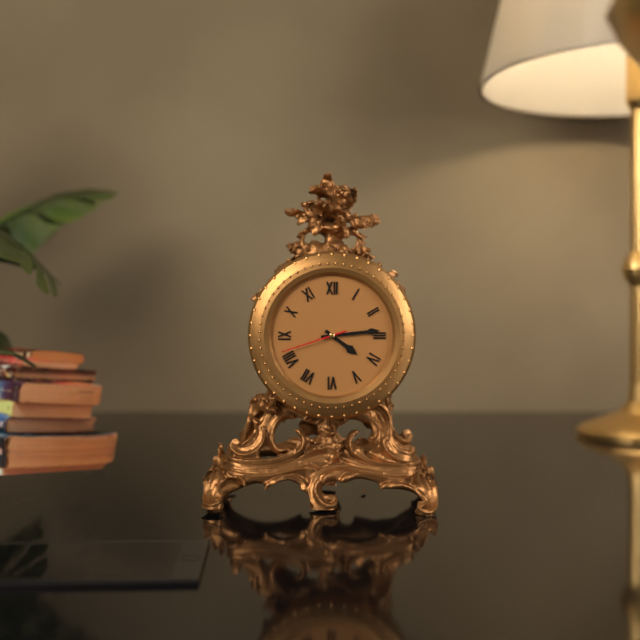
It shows **4:14:42**
